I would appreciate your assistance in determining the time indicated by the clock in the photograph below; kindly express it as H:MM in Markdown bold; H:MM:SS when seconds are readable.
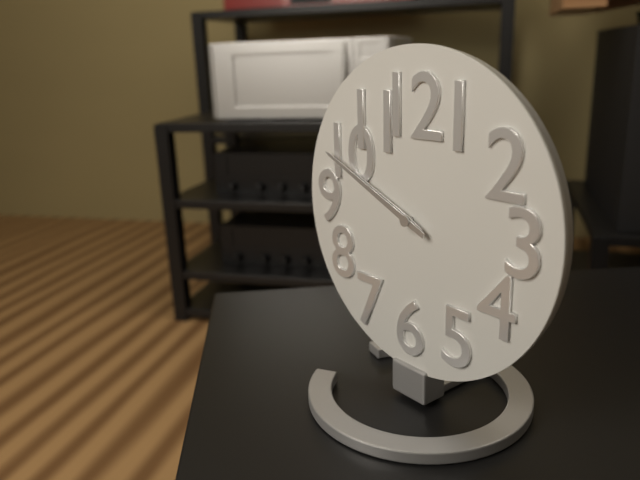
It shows **9:49**
